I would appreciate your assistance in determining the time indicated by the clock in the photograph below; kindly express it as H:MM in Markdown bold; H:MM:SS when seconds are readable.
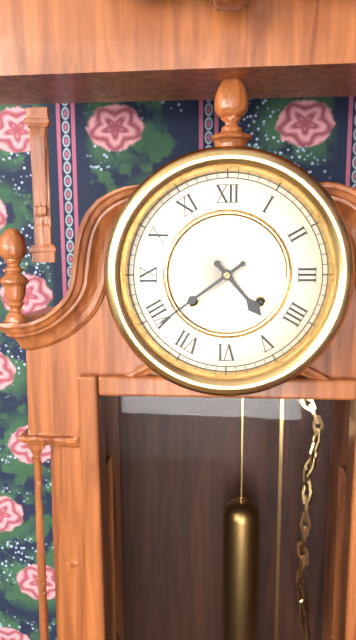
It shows **4:39**
